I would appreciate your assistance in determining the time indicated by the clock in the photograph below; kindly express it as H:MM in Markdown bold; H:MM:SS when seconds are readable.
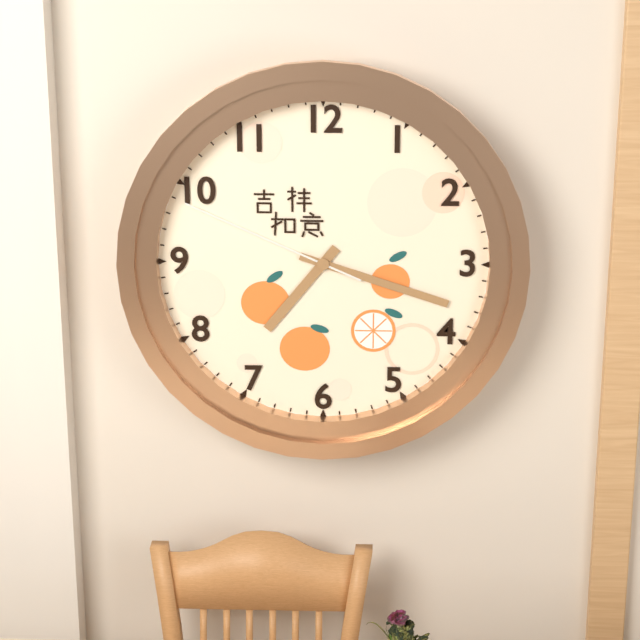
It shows **7:18:49**
